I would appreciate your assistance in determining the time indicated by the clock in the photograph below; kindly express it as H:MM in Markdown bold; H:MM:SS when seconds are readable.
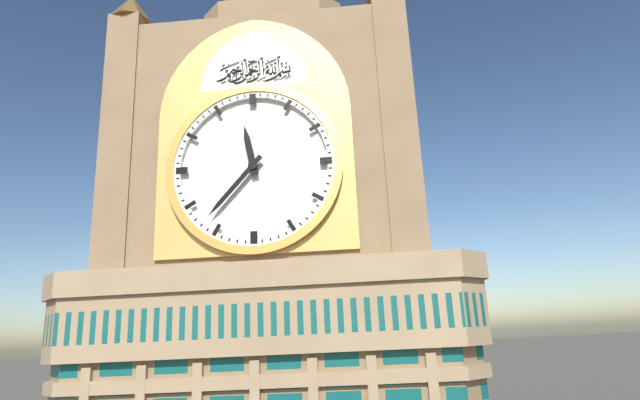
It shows **11:37**
